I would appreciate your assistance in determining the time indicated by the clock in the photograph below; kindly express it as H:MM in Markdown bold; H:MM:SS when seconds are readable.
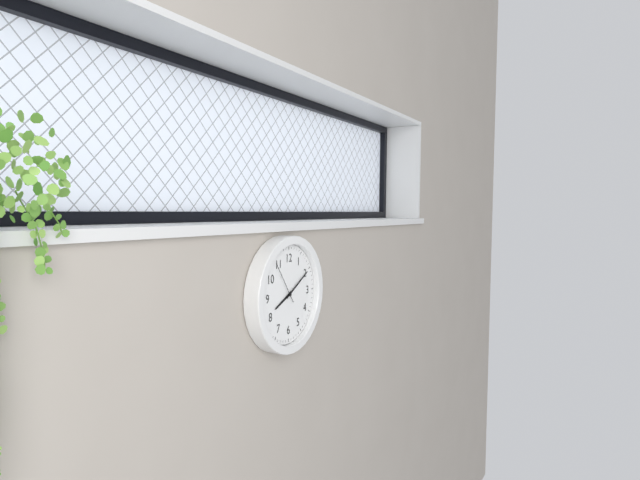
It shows **8:10**
